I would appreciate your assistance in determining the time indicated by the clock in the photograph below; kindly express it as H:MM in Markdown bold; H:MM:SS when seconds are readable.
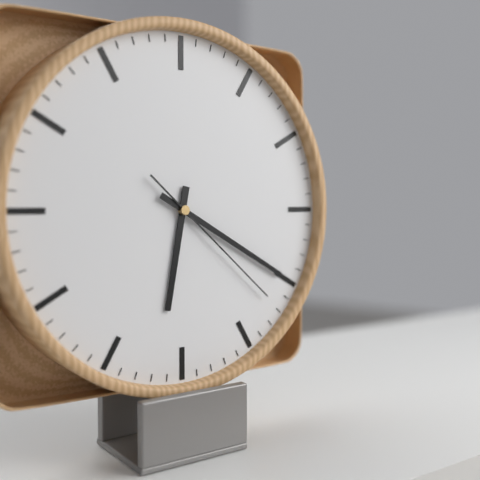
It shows **6:20:22**
